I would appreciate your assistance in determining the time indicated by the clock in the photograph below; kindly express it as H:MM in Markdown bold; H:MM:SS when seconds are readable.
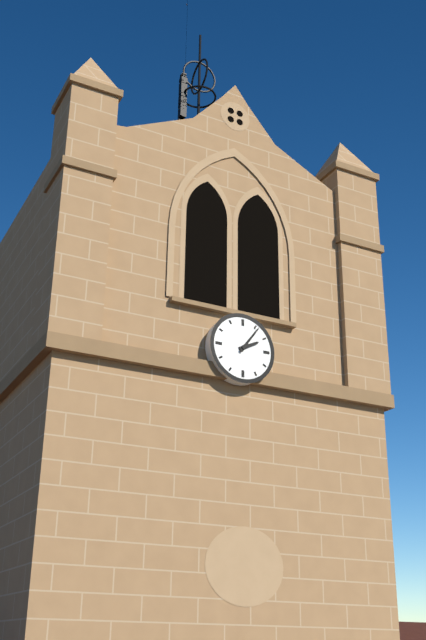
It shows **2:06**
